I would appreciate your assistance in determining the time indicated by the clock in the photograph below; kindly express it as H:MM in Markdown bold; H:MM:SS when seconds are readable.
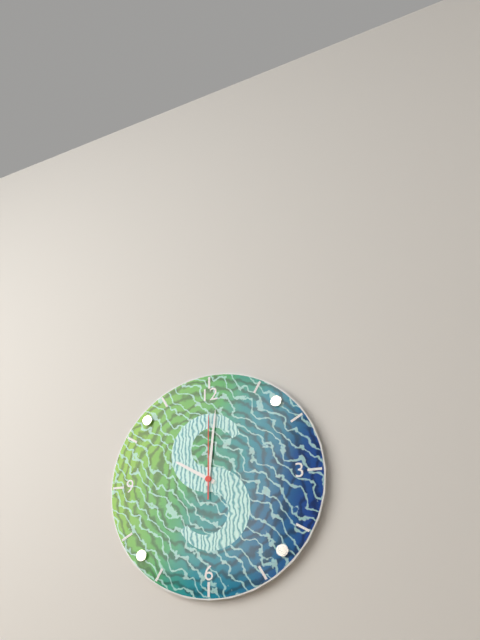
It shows **10:01:00**
